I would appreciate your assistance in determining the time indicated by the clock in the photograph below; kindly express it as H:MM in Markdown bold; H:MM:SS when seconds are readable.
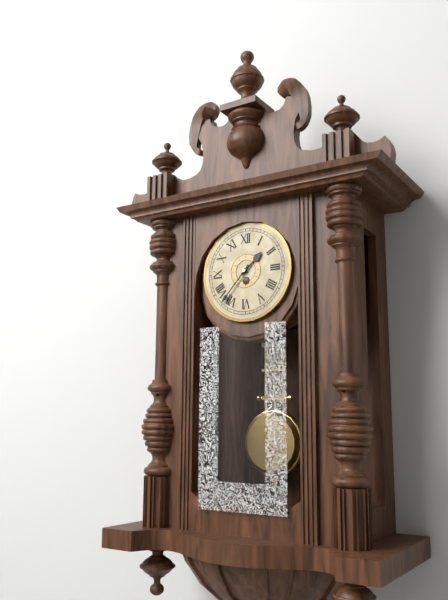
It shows **1:37**
